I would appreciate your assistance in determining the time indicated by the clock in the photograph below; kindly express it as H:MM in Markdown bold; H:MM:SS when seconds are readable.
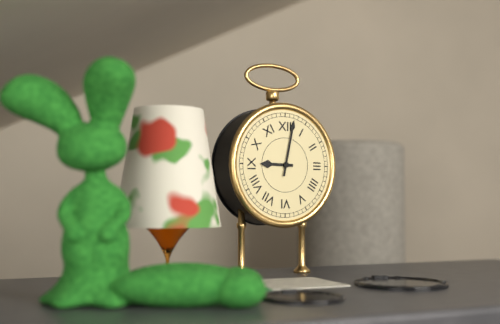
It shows **9:02**
